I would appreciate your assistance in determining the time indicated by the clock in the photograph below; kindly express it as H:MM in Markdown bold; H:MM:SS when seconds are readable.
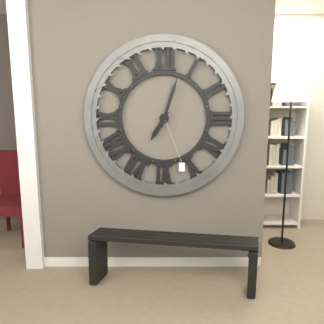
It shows **7:03**
